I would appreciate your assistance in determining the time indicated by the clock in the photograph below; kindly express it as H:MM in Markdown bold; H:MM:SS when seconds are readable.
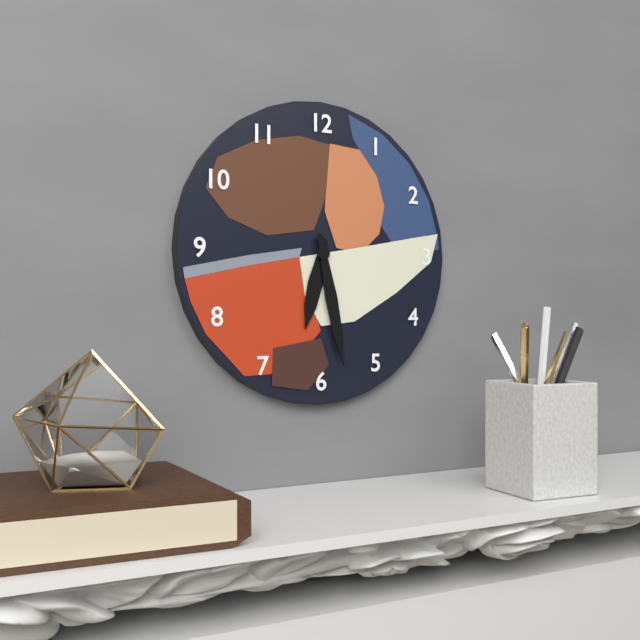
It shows **6:28**
